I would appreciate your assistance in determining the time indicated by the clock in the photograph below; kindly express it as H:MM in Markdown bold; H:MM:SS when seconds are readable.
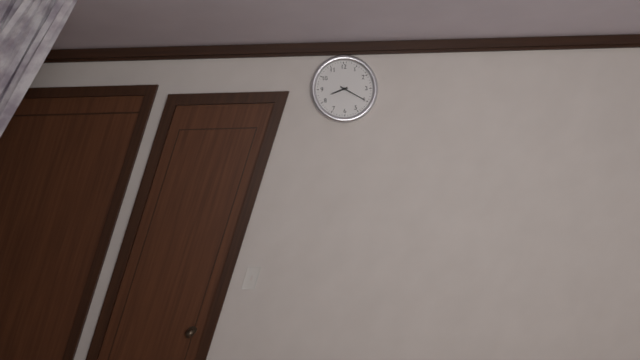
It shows **8:20**
